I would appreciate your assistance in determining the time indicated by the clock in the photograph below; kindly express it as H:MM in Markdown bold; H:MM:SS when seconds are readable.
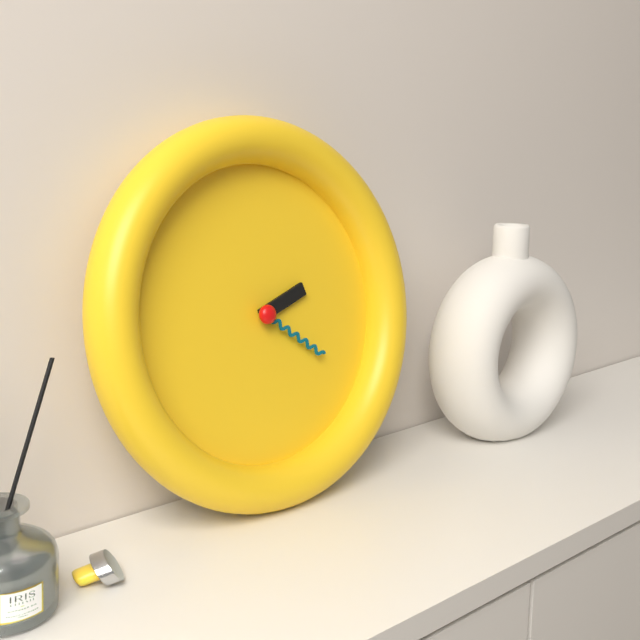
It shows **2:21**
